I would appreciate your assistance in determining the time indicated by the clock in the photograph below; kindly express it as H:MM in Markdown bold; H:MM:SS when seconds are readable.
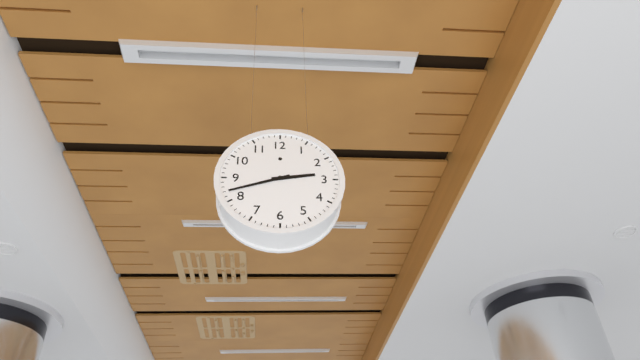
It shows **2:42**
